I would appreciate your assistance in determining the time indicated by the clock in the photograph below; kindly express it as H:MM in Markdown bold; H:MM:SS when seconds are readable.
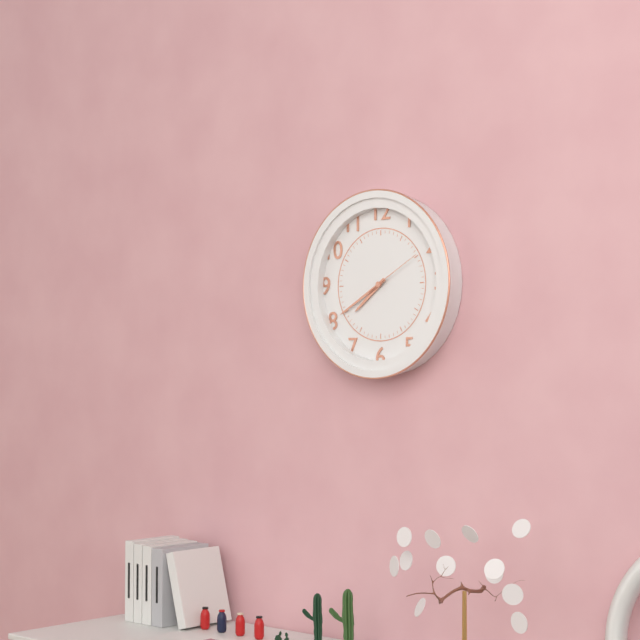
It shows **7:40:10**
